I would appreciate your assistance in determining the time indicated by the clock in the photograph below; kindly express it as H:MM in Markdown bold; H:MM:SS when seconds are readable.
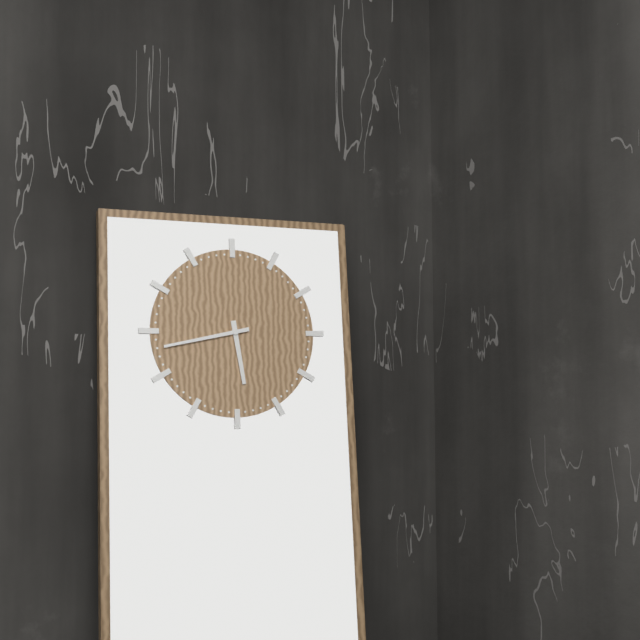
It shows **5:43**
